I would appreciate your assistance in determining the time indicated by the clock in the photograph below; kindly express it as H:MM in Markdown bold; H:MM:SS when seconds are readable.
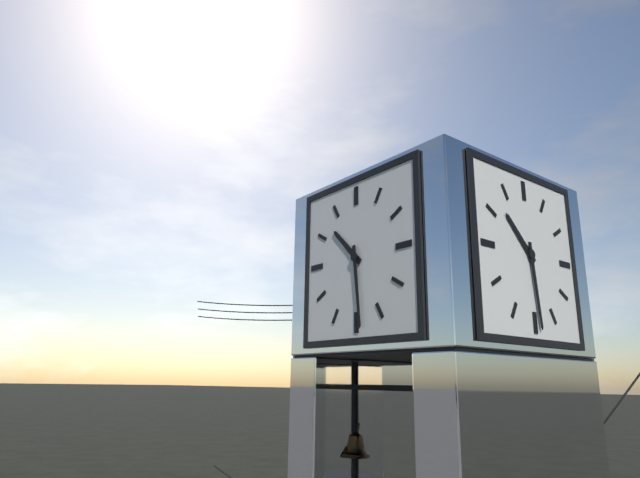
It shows **10:29**
